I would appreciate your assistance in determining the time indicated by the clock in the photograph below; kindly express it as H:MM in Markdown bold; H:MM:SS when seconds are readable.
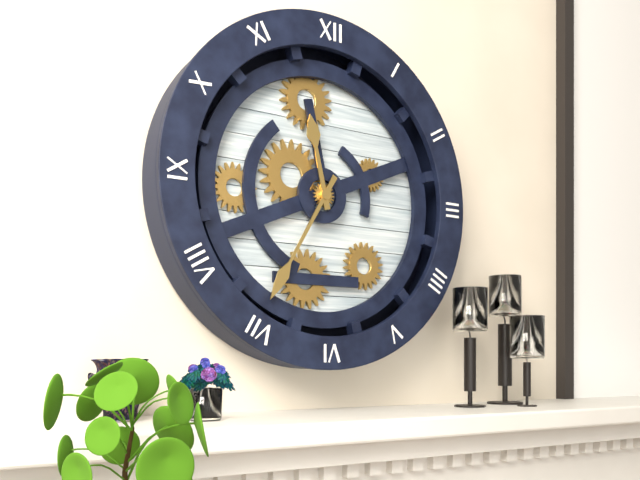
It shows **11:35**
